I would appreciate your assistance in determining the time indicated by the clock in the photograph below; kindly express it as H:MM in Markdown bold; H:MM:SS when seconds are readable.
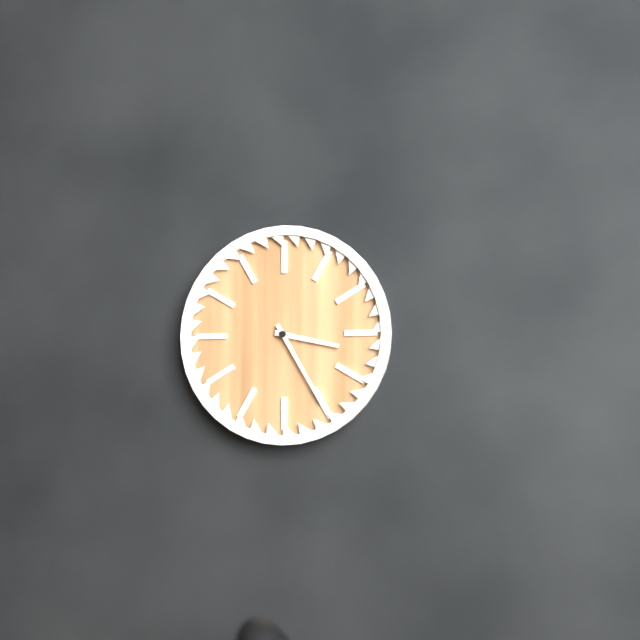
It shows **3:25**
